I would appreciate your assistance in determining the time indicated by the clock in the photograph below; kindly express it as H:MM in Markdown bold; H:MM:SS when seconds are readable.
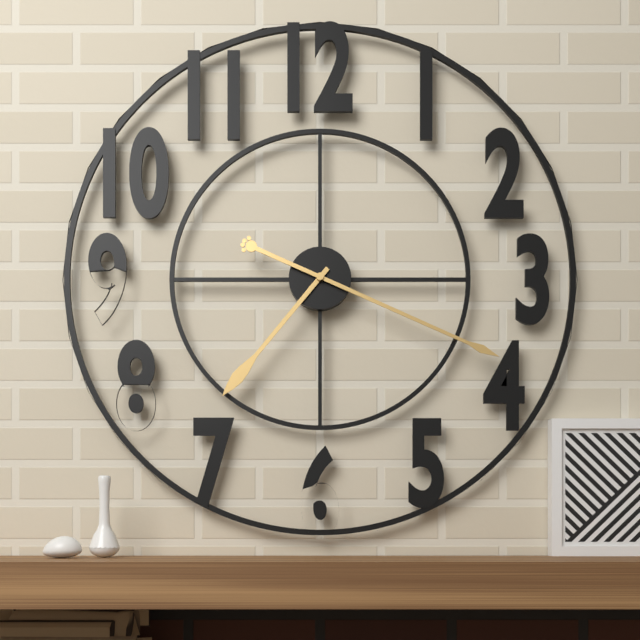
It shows **7:19**
